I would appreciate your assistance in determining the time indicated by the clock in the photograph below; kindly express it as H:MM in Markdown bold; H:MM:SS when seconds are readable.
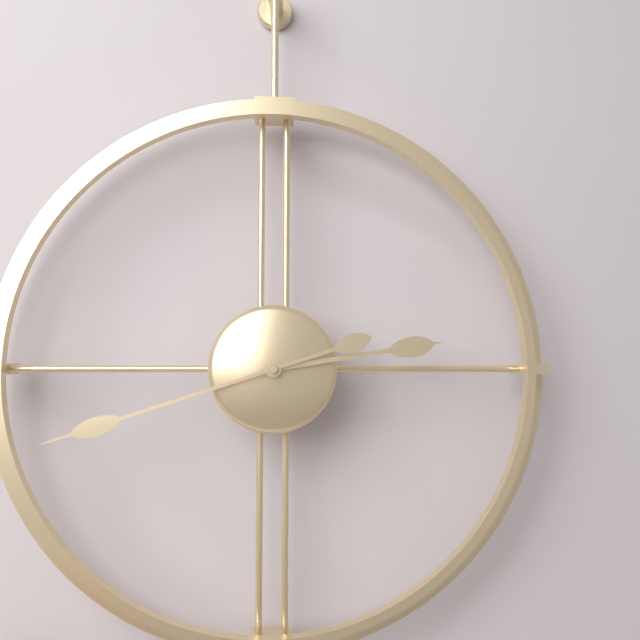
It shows **2:42**
